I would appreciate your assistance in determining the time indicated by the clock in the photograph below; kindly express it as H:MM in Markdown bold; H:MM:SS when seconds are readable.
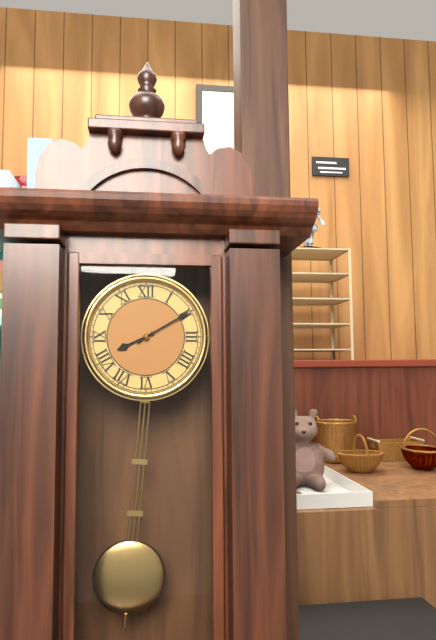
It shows **8:10**
